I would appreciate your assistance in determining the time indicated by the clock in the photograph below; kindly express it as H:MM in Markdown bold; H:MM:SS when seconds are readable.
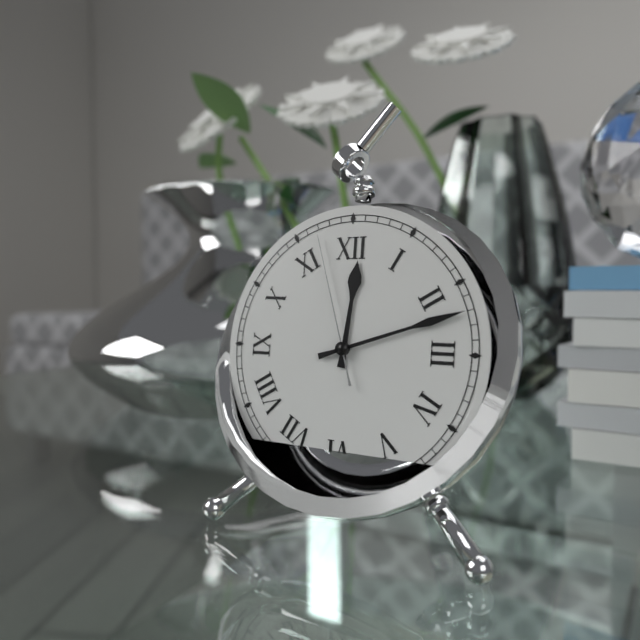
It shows **12:12:57**
